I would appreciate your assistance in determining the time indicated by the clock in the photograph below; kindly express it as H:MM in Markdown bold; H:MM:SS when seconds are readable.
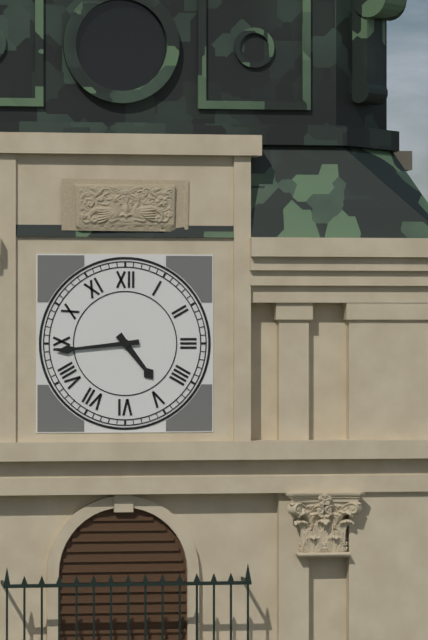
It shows **4:44**
